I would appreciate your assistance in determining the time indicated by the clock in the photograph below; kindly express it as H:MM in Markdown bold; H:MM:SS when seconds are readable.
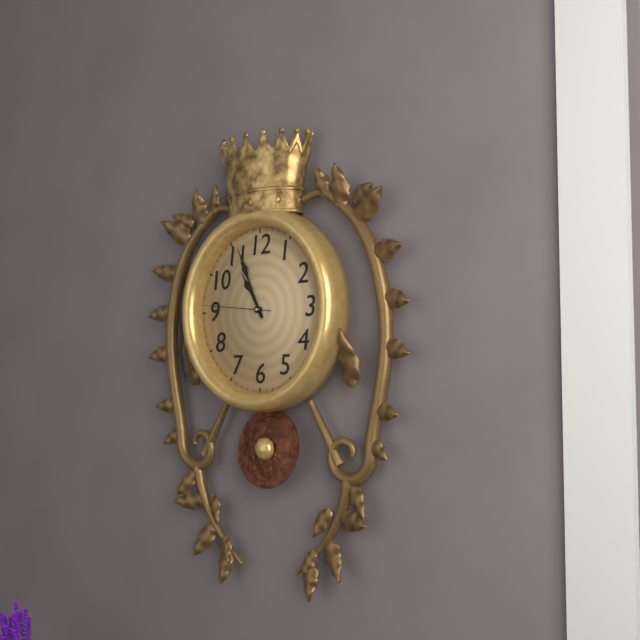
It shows **10:56:46**
